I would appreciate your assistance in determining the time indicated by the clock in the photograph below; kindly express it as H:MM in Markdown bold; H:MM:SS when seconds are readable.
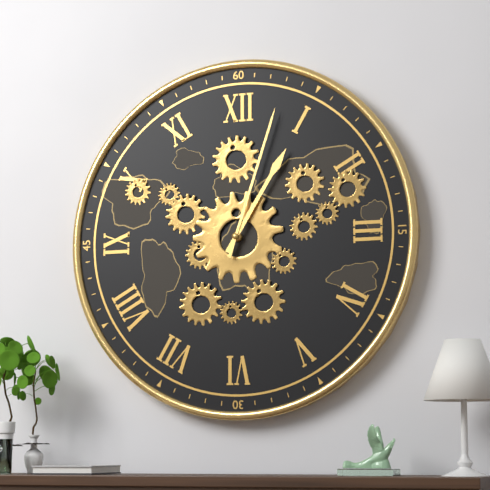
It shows **1:03**
